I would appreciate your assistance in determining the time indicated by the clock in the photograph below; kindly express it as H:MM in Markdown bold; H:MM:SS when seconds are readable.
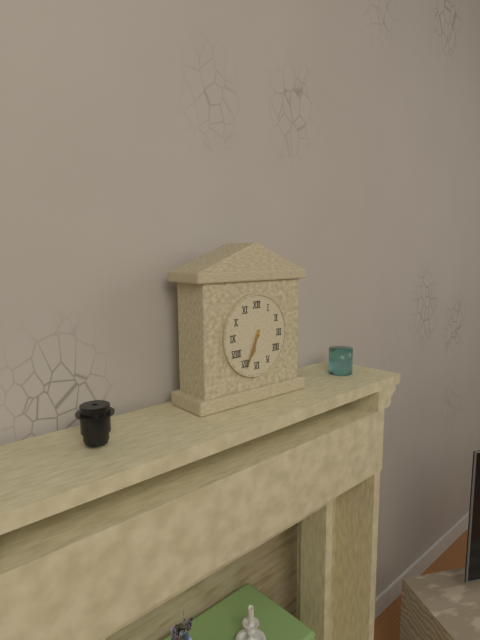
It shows **6:34**
